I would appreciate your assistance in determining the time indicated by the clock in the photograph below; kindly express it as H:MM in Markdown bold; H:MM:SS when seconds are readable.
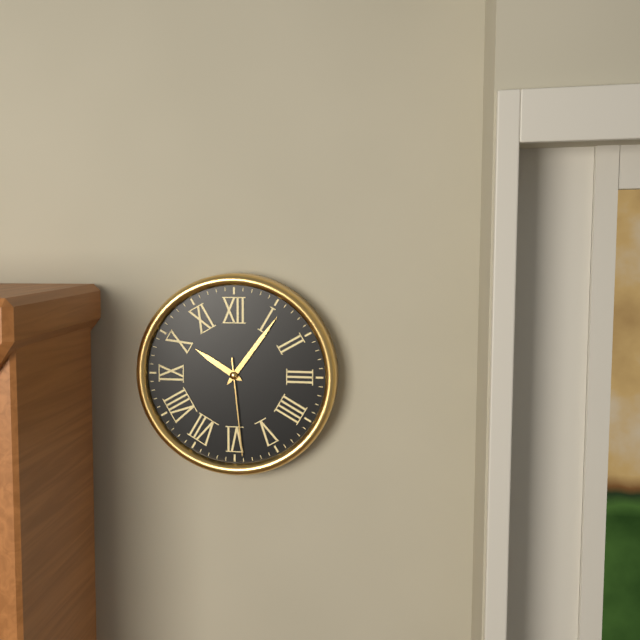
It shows **10:06:29**
